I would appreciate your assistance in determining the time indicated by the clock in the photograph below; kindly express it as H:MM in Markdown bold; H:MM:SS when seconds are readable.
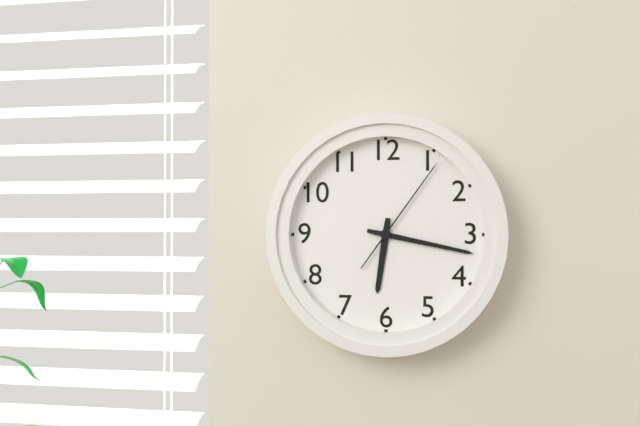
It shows **6:17:06**
